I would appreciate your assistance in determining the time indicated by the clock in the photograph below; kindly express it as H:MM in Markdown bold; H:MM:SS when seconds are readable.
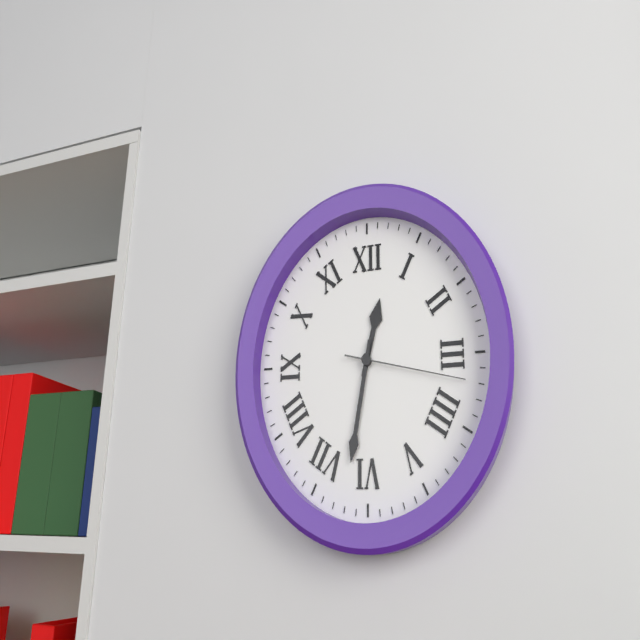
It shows **12:32:17**
